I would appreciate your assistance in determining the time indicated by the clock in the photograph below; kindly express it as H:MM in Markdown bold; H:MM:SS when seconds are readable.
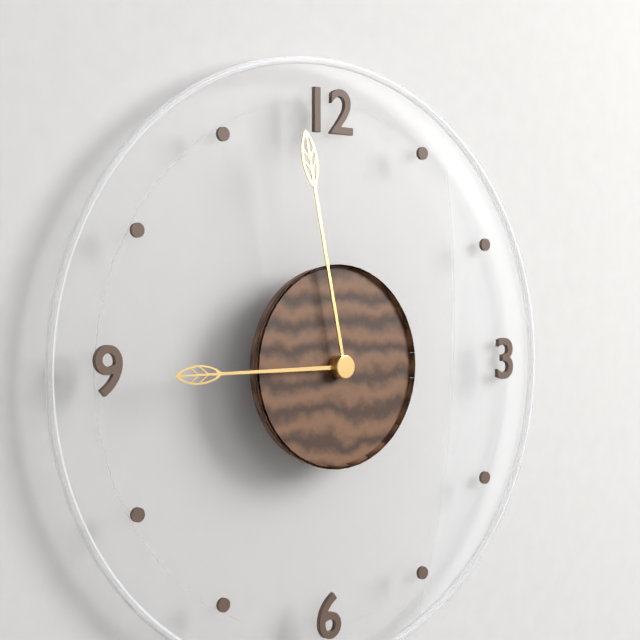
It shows **8:58**
